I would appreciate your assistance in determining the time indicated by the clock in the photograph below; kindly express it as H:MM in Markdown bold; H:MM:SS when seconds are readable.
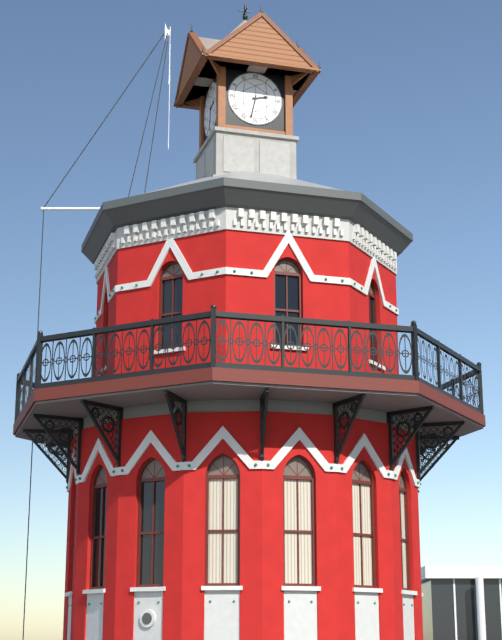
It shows **2:32**
